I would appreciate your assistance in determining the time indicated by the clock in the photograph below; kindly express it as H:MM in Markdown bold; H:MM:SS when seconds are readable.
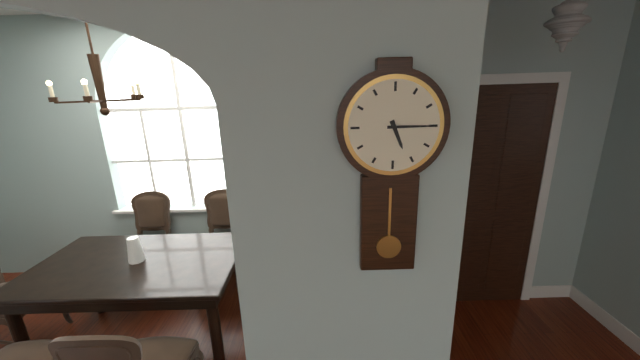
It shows **5:15**
